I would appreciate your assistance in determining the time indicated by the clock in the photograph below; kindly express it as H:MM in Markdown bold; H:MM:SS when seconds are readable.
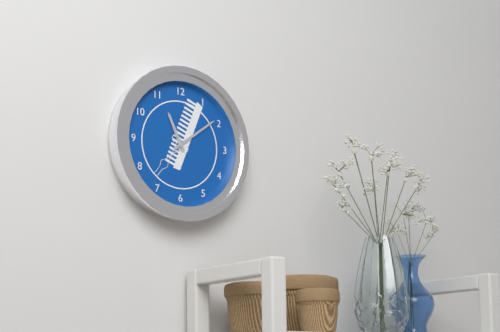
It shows **11:09**
